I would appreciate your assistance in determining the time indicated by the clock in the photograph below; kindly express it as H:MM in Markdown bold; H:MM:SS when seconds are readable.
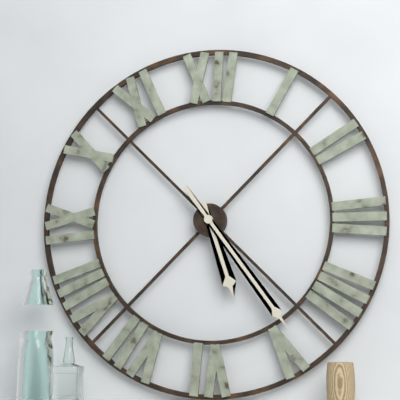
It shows **5:24**
